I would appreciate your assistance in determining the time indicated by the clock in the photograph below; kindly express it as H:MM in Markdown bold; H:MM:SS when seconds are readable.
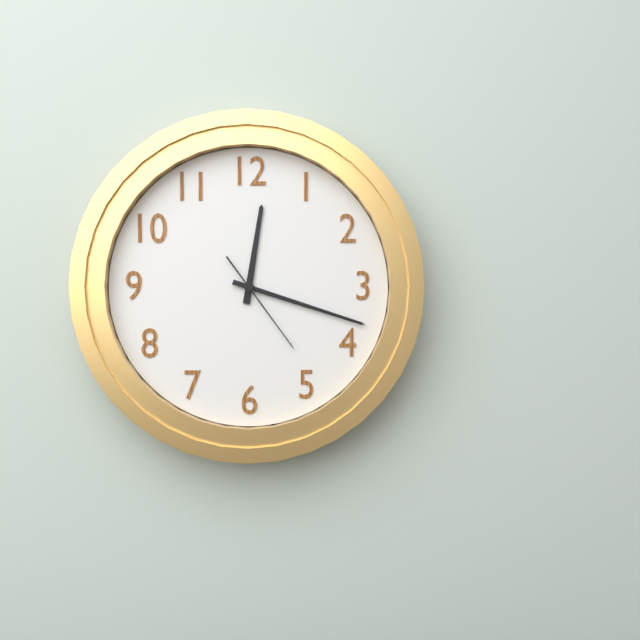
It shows **12:18:24**
